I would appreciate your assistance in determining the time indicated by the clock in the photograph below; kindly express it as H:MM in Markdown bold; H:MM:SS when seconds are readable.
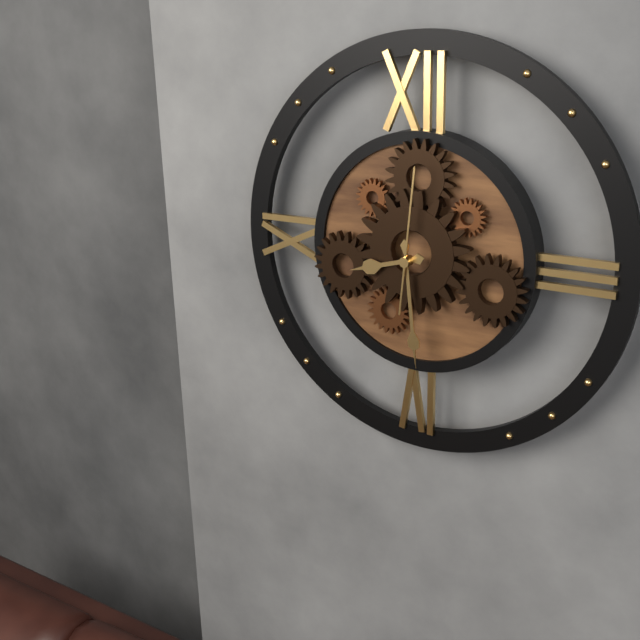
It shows **8:29:01**
